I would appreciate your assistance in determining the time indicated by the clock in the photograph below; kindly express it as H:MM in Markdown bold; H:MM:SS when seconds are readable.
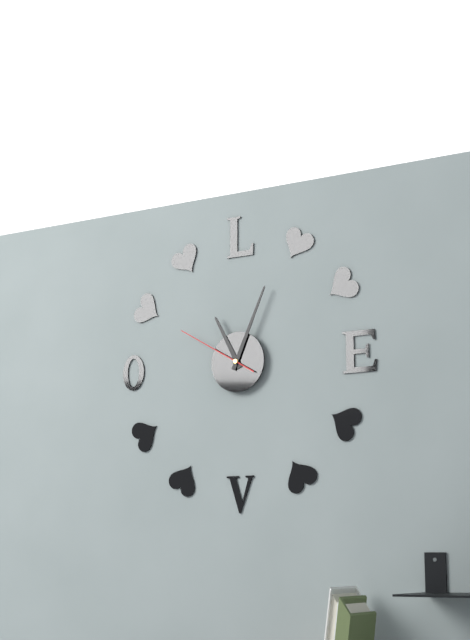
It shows **11:04:50**
